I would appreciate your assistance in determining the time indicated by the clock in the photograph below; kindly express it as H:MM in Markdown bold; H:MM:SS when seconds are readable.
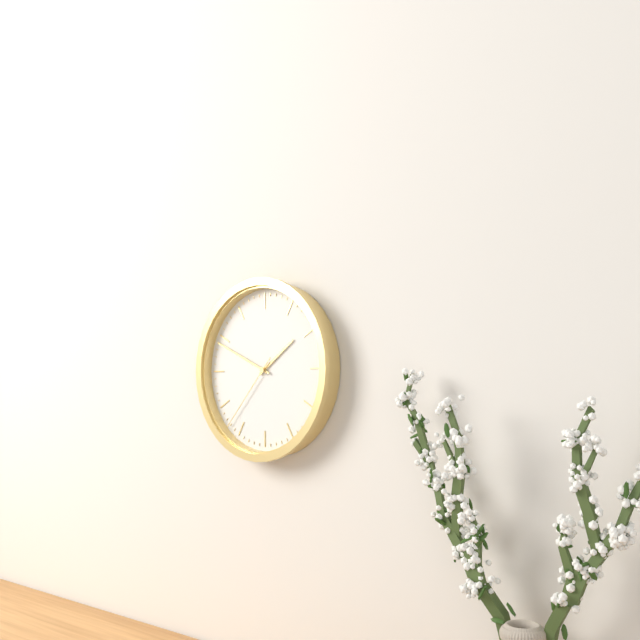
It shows **1:49:37**
